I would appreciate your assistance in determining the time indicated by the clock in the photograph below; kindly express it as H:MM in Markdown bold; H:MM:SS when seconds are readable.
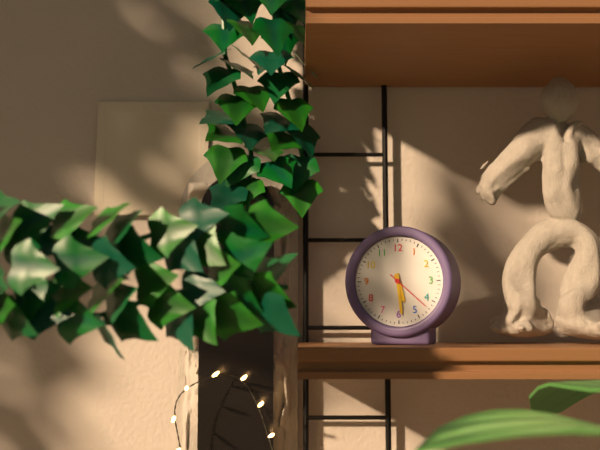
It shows **5:29**
